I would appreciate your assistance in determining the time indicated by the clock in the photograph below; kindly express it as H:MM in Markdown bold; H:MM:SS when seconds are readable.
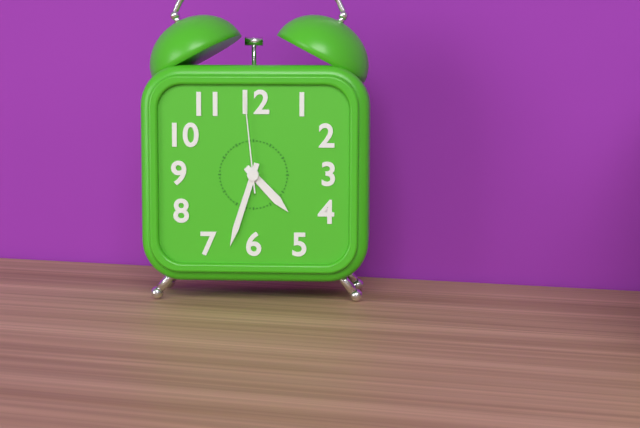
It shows **4:33:59**
